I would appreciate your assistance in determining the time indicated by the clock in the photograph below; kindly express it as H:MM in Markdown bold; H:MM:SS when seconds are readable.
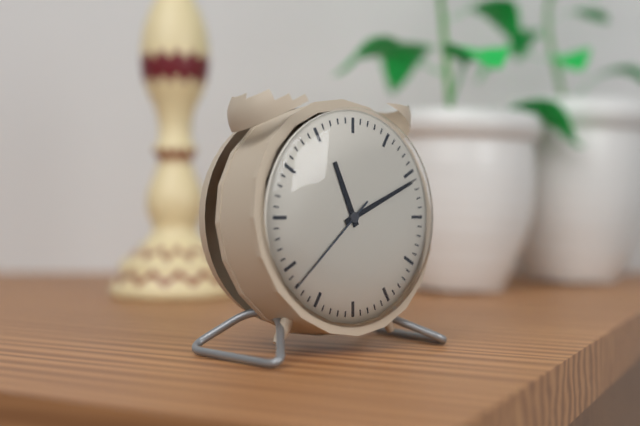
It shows **11:11:38**
